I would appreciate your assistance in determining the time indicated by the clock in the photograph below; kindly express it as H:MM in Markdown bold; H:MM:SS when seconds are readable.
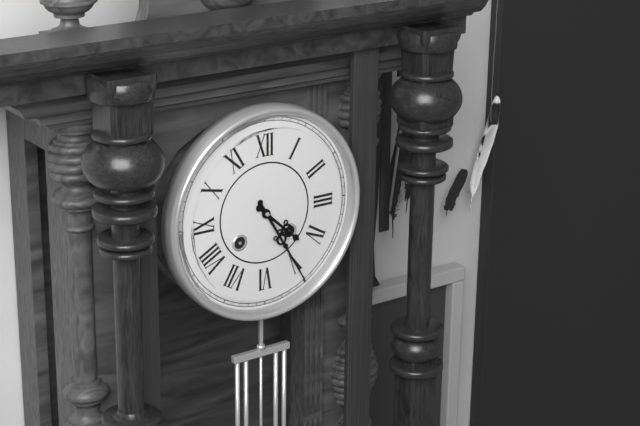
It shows **4:25**
